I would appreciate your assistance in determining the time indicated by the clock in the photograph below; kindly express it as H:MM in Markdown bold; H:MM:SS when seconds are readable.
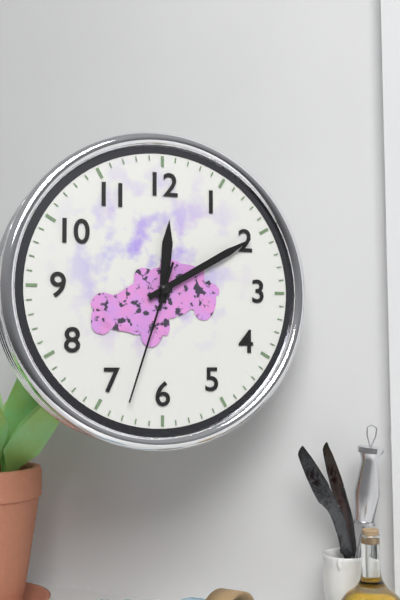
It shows **12:10:33**
